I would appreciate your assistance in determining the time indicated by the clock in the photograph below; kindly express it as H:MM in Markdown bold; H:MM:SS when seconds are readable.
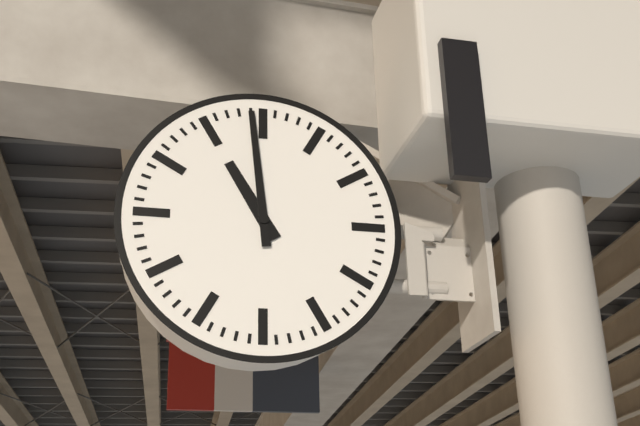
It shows **10:59**
